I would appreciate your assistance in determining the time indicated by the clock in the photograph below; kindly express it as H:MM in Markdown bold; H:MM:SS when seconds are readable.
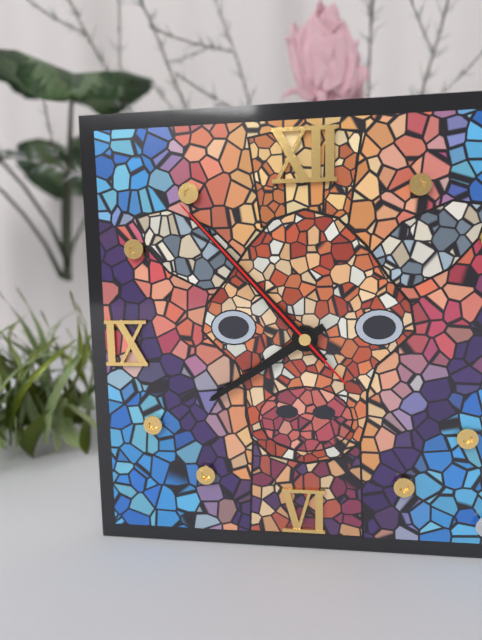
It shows **7:53:53**
